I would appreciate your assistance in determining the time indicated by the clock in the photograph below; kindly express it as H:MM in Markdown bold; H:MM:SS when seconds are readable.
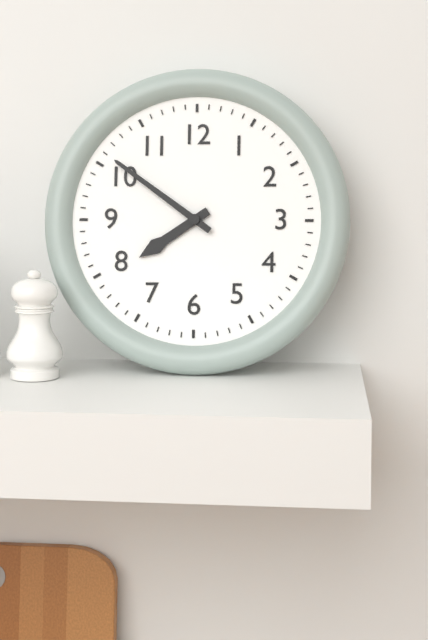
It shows **7:51**
